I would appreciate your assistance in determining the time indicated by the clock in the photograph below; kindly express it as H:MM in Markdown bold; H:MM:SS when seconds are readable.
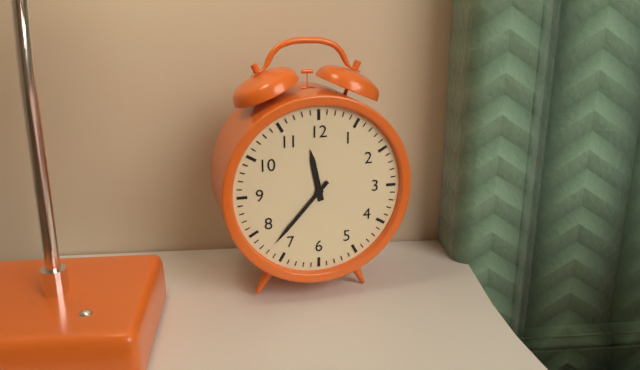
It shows **11:37**
